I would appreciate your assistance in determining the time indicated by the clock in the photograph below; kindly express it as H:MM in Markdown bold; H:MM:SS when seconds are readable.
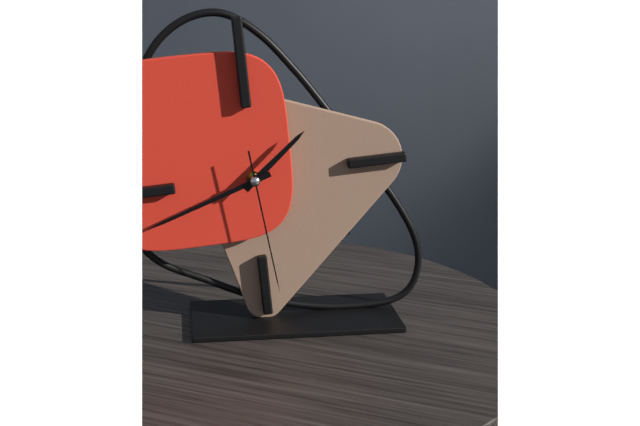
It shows **1:42:29**
